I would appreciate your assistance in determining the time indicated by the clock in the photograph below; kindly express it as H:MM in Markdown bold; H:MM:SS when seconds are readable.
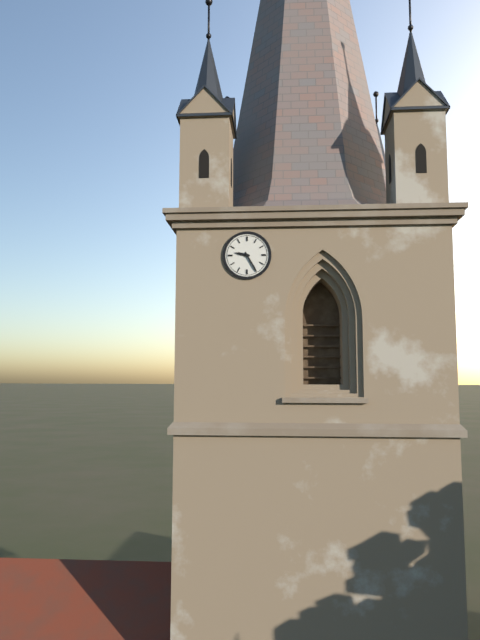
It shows **9:25**
